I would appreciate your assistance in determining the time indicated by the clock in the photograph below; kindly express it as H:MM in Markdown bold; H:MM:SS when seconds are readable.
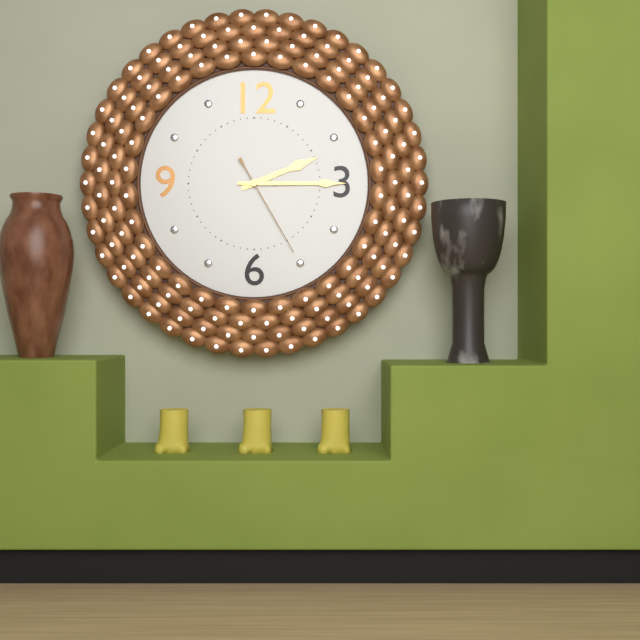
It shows **2:15:25**
